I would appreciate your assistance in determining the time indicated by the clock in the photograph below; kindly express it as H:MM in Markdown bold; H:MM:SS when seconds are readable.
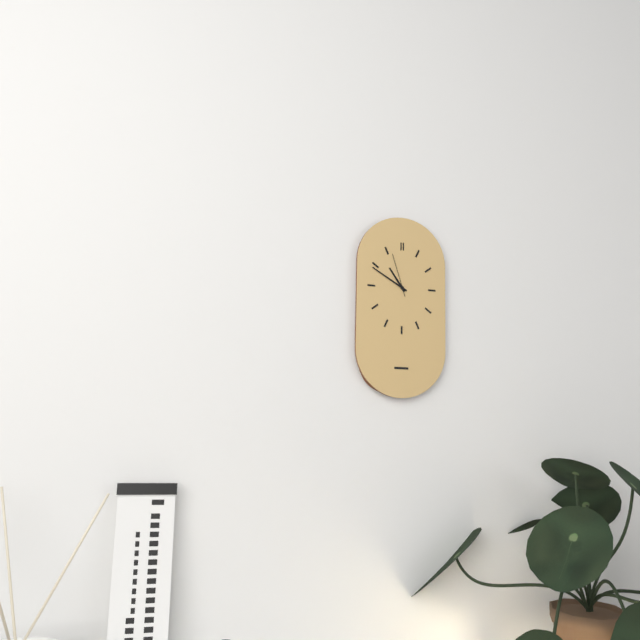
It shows **10:50**
